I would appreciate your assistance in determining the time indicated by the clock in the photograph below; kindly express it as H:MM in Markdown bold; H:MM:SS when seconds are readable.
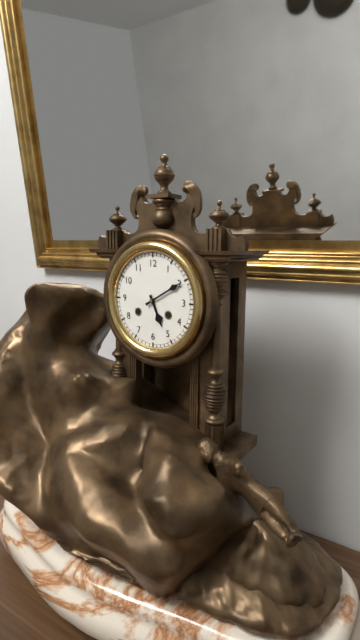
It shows **5:10**
